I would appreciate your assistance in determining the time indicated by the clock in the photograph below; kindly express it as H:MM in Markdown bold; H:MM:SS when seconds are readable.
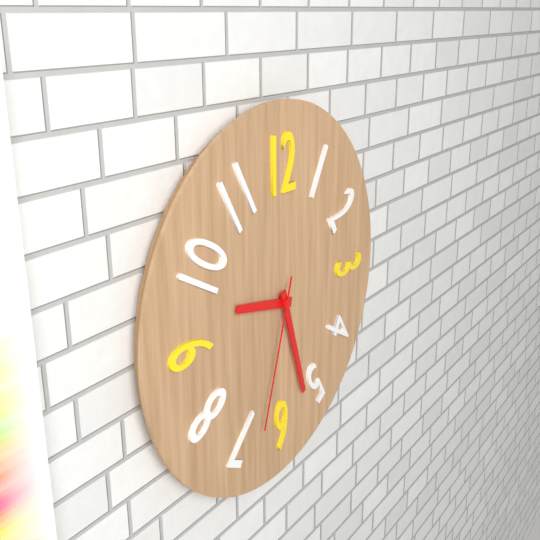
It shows **9:27:33**
